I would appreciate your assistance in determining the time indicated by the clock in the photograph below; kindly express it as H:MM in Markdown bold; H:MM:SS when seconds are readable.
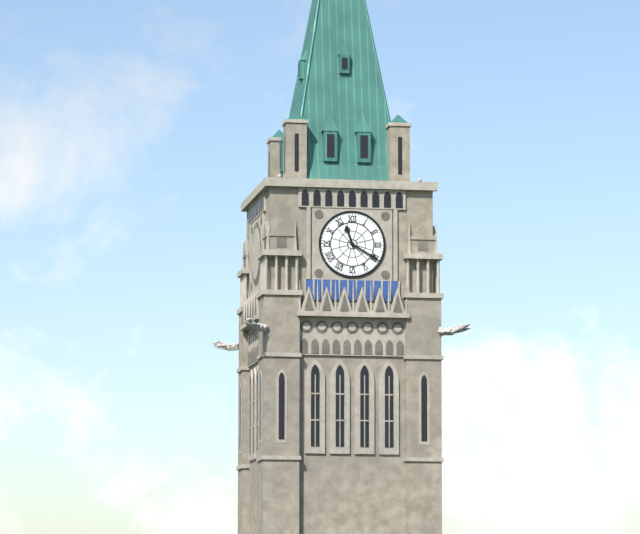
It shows **11:20**
